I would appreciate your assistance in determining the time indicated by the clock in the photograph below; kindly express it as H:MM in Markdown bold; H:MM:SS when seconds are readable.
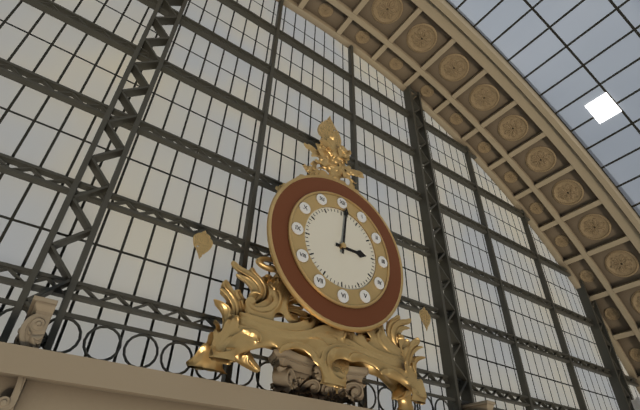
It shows **3:01**
